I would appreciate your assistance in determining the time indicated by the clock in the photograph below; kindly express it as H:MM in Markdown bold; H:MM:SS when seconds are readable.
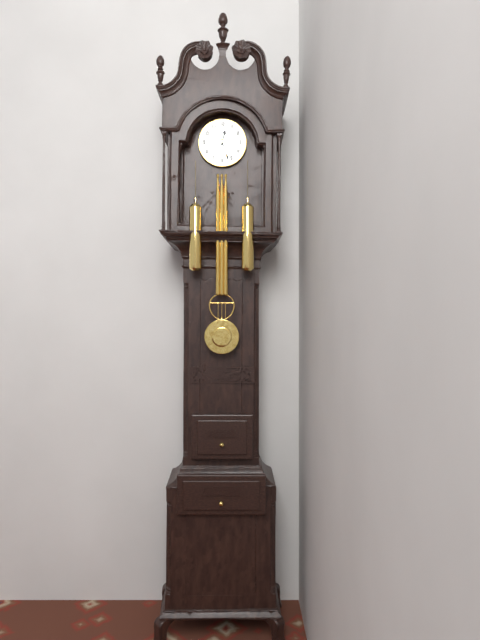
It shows **12:27**
